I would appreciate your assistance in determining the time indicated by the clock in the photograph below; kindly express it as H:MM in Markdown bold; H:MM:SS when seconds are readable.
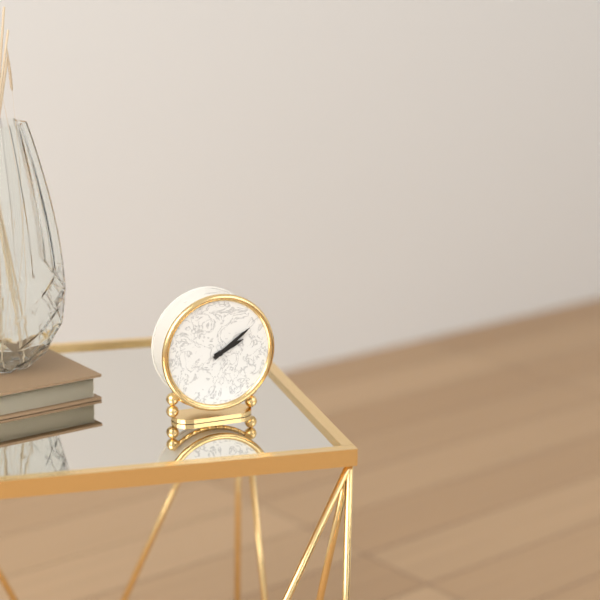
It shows **2:09**
